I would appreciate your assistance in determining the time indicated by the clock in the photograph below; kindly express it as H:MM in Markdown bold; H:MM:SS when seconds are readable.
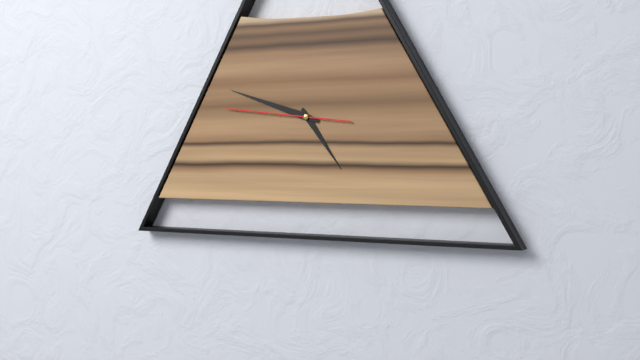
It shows **4:48:46**
